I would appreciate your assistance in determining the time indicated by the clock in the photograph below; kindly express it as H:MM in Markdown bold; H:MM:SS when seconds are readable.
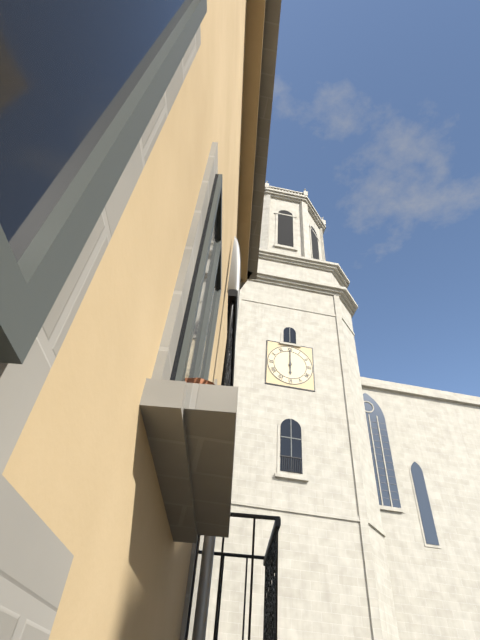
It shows **6:00**
